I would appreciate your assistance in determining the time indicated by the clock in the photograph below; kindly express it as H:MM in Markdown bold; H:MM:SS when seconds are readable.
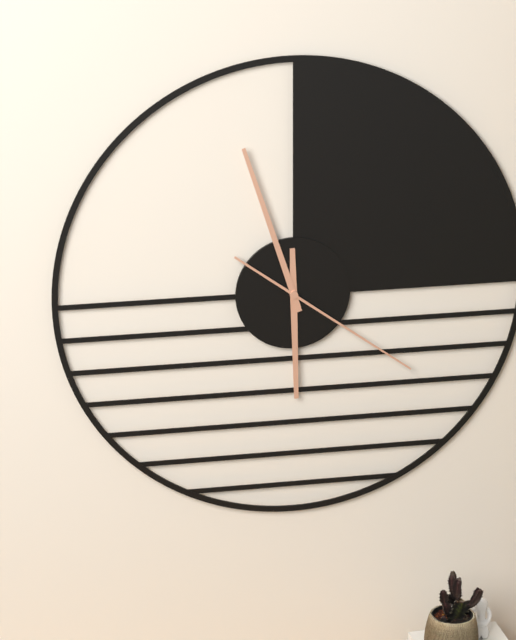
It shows **5:57:21**
